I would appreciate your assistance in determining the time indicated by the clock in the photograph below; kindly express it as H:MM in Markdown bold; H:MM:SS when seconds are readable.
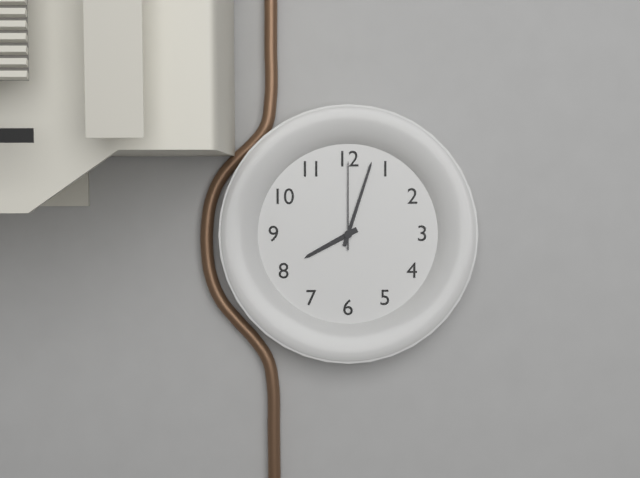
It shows **8:03:00**
